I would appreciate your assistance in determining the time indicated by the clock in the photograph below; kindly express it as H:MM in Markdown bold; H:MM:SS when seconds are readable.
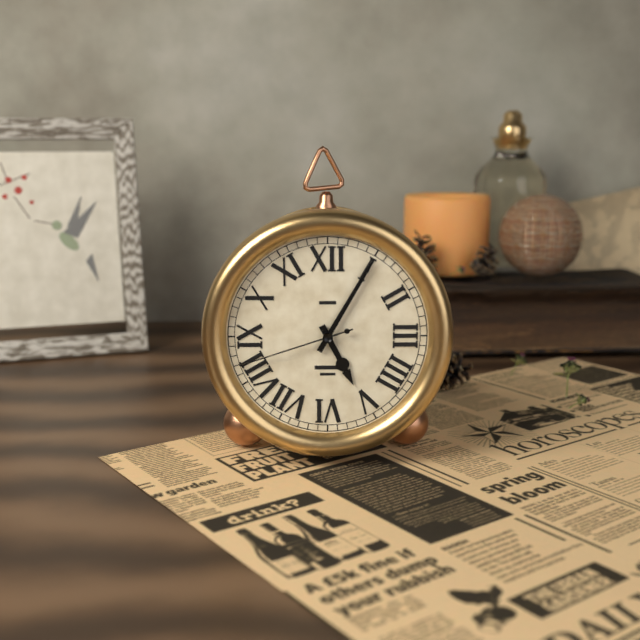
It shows **5:05:42**
